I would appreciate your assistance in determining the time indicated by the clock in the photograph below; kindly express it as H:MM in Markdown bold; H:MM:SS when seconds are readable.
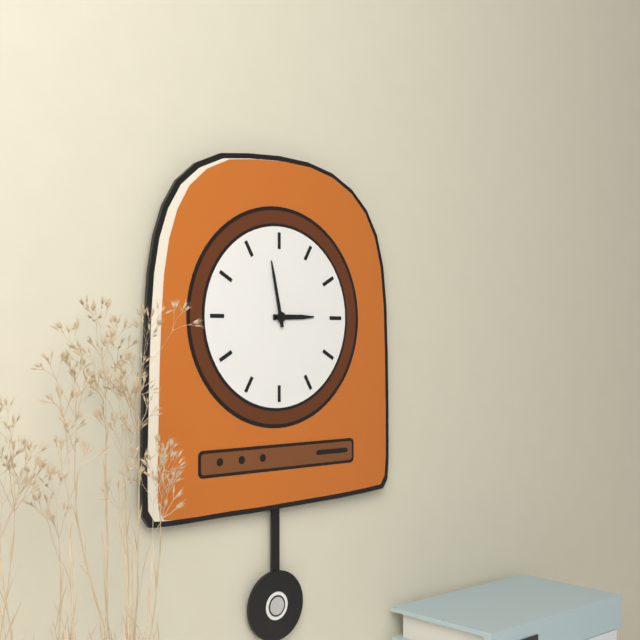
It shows **2:58**
